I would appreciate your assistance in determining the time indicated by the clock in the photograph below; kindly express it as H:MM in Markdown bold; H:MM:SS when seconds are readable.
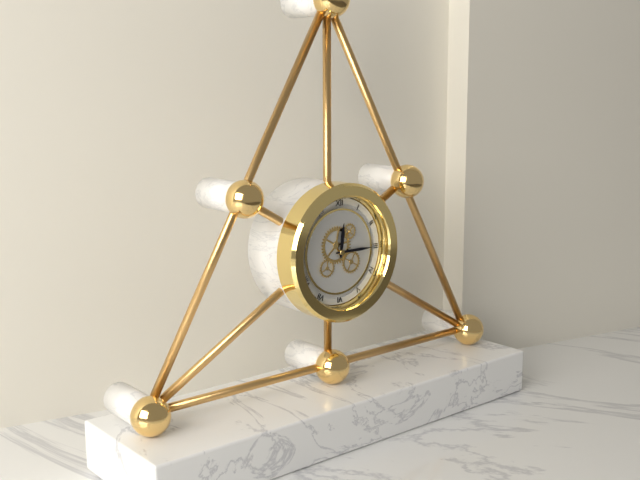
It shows **12:15**
